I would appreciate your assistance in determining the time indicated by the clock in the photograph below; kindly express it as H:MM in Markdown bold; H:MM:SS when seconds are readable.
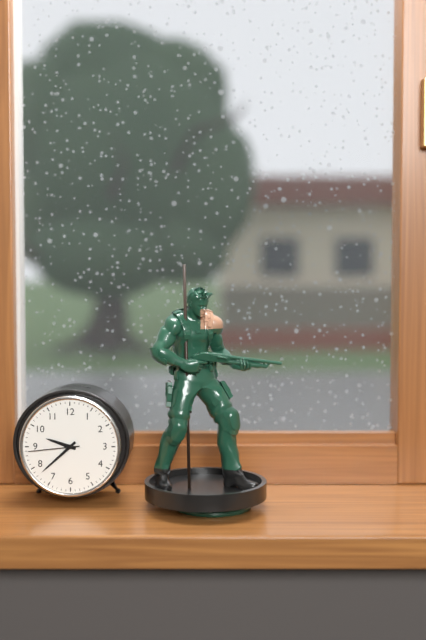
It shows **9:38:44**
